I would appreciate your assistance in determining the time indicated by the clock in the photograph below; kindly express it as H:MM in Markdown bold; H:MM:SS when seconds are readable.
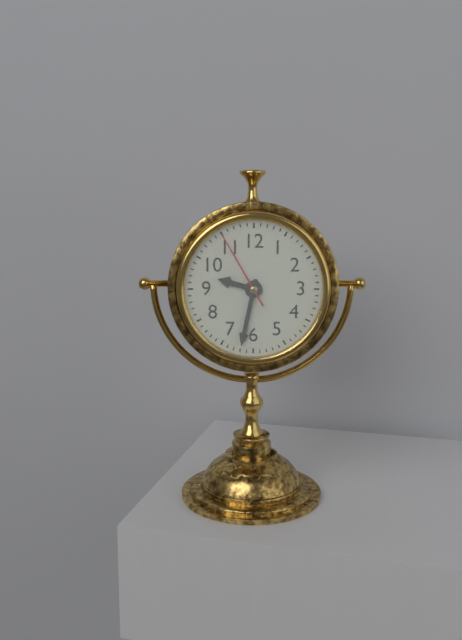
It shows **9:32:55**
